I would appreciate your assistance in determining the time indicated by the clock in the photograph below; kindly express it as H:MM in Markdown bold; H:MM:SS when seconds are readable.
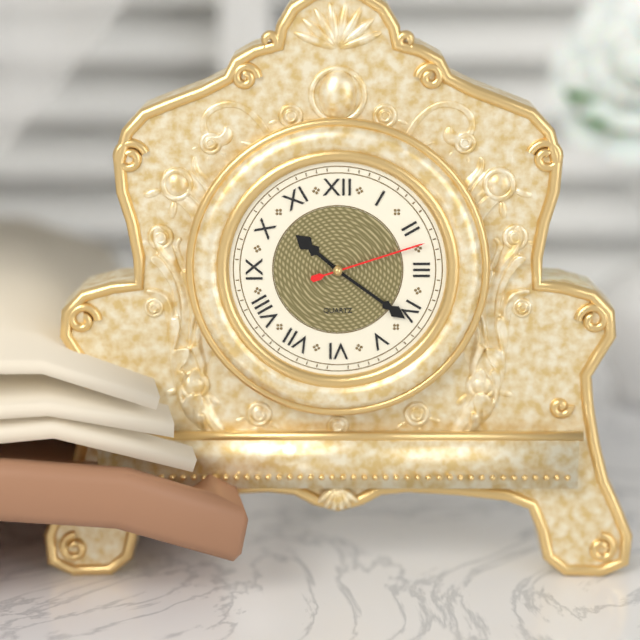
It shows **10:21:12**
